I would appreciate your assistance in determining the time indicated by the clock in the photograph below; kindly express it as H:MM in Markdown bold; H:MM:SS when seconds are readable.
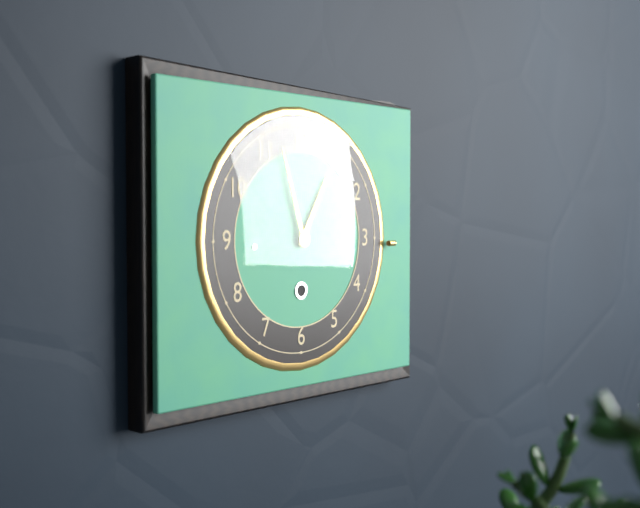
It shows **12:57**
